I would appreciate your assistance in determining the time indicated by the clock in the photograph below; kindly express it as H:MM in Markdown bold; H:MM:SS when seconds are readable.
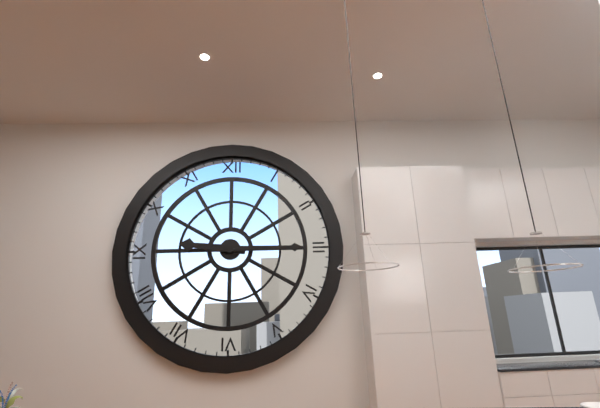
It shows **9:15**
